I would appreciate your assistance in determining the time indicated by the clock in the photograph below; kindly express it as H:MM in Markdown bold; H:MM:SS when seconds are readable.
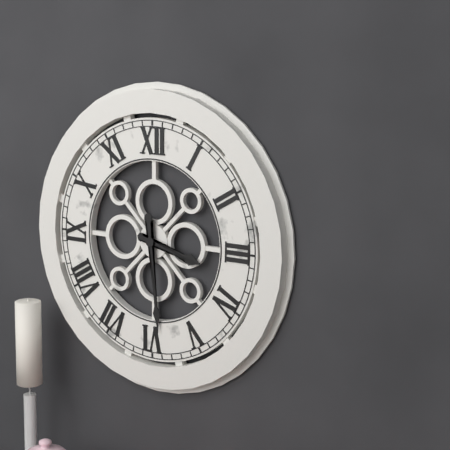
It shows **3:29**
